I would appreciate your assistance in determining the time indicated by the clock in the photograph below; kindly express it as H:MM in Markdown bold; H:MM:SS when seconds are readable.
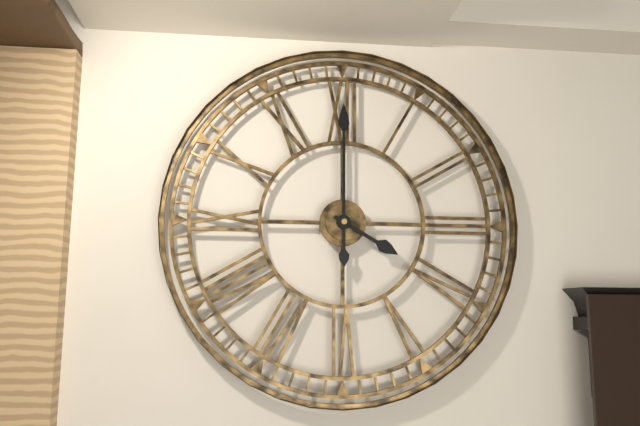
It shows **4:00**
